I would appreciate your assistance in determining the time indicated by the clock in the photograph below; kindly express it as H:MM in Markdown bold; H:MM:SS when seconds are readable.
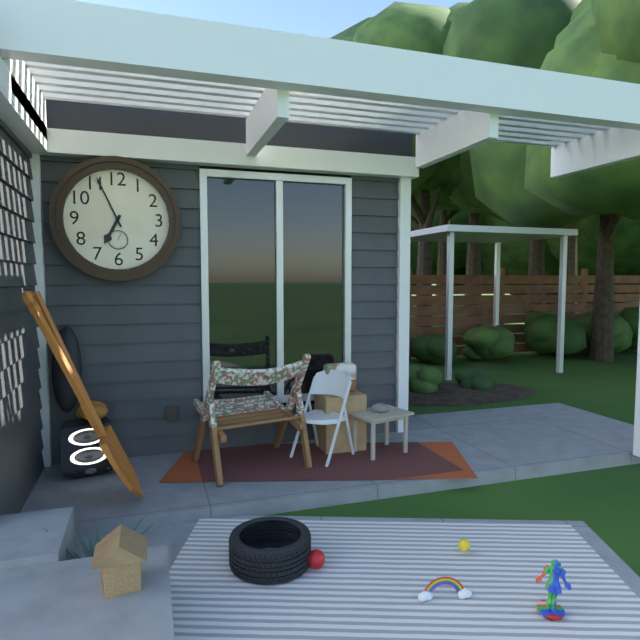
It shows **6:56**
